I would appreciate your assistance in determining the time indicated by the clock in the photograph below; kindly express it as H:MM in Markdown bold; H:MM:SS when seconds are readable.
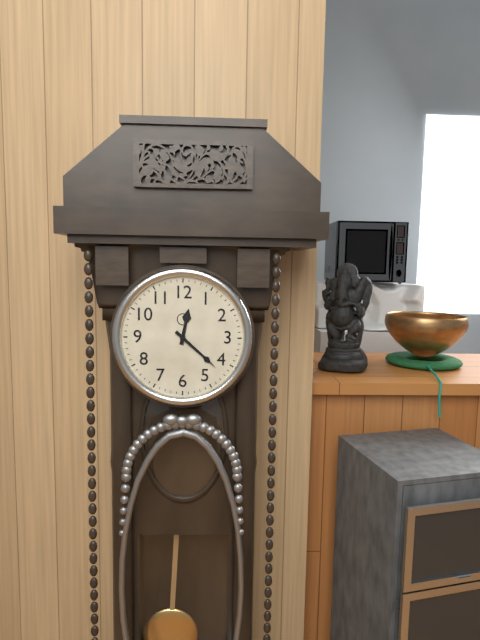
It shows **12:22**
